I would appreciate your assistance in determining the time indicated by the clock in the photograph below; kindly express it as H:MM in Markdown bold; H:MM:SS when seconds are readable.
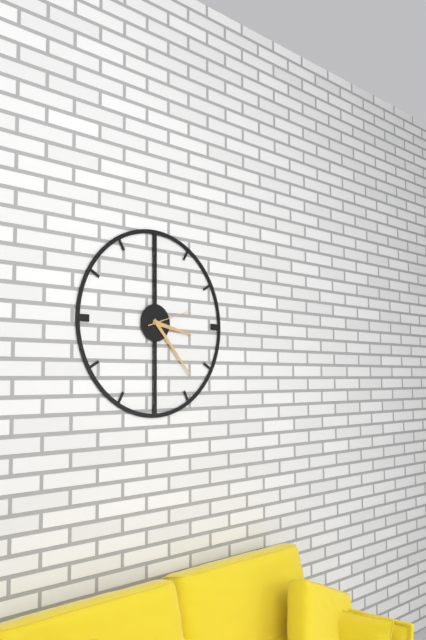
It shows **3:23**
